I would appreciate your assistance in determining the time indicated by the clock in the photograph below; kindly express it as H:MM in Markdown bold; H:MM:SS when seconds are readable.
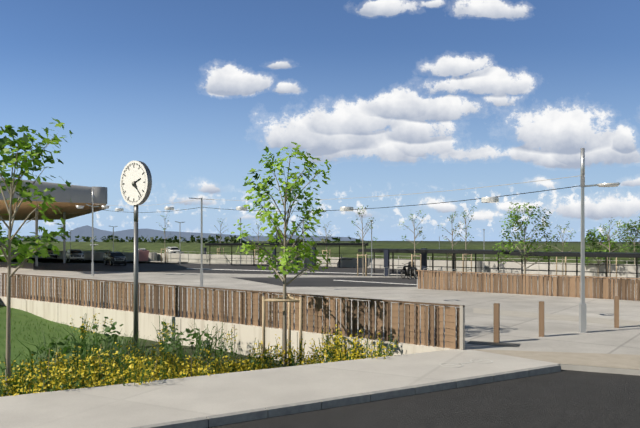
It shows **2:23**
